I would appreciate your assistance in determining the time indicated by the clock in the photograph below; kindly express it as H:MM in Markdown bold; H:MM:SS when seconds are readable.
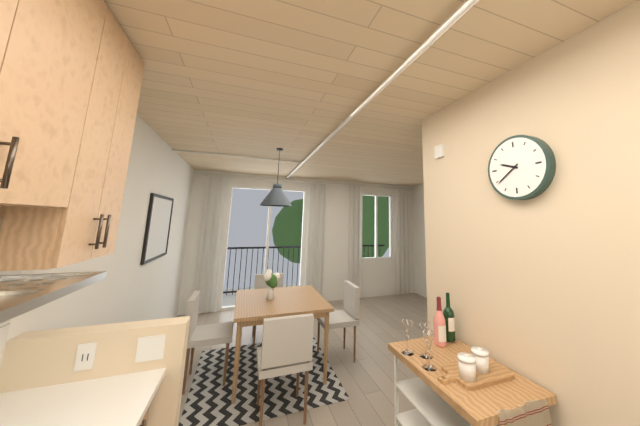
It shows **9:39**
